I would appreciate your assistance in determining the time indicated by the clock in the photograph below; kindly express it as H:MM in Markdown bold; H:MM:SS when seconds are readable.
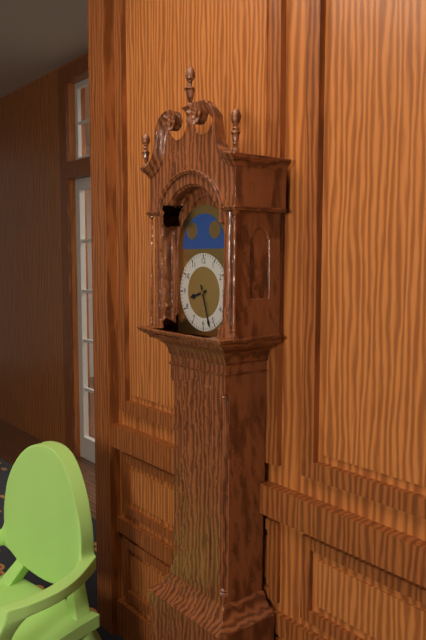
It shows **8:27**
